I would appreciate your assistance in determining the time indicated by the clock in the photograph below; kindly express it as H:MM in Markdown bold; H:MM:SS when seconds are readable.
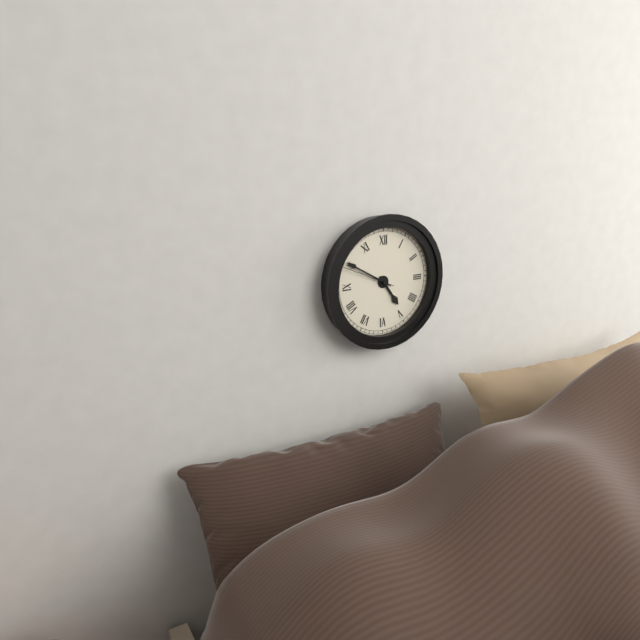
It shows **4:50**
